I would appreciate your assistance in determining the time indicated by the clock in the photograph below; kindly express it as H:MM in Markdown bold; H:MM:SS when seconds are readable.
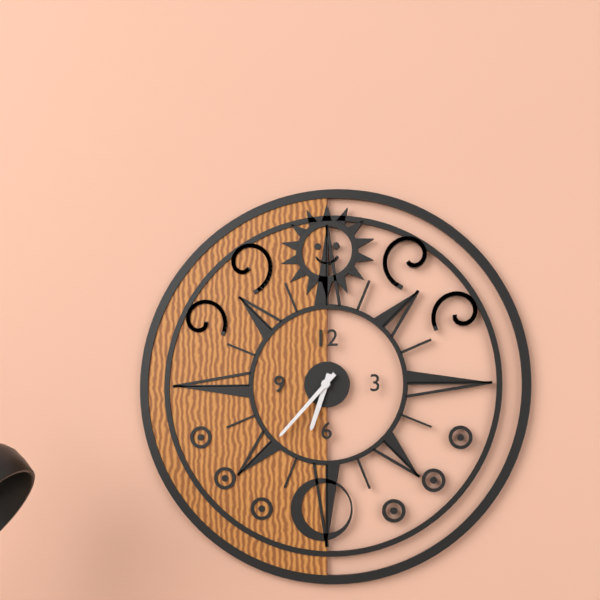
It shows **6:37**
